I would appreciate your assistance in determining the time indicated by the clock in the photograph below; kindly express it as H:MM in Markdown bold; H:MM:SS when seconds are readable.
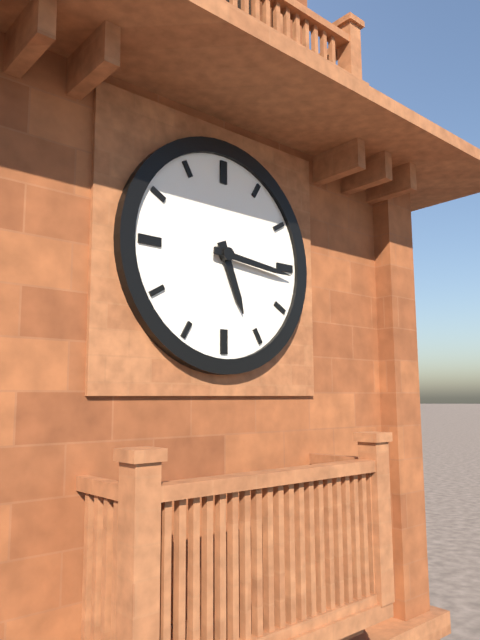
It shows **5:16**
